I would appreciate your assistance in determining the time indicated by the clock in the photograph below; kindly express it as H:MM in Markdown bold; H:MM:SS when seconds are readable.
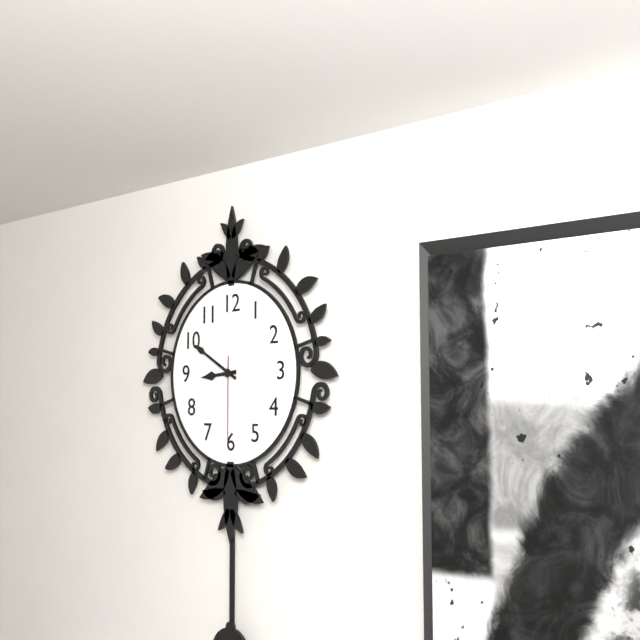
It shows **8:50:30**
